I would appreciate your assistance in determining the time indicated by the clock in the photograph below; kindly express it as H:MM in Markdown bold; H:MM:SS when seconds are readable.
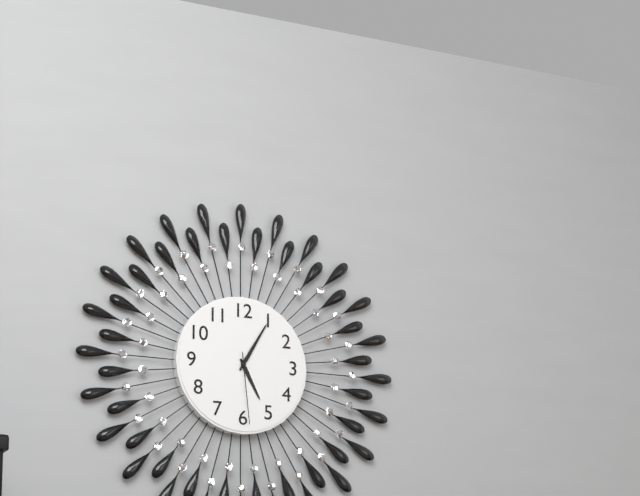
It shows **5:05:29**
